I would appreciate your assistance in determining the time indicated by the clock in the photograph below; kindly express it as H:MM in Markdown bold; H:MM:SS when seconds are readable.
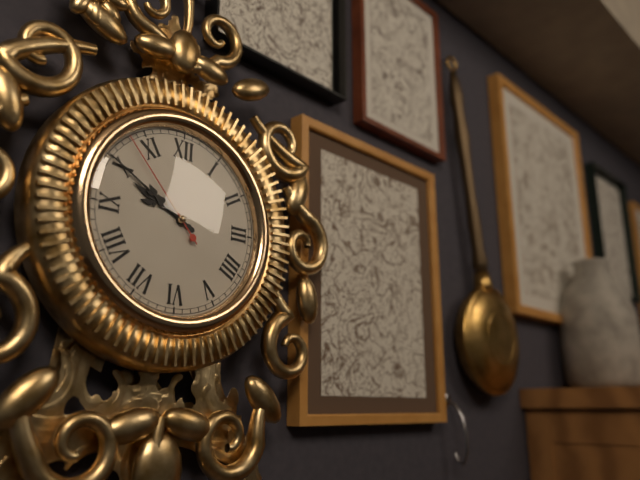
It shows **9:50:53**
